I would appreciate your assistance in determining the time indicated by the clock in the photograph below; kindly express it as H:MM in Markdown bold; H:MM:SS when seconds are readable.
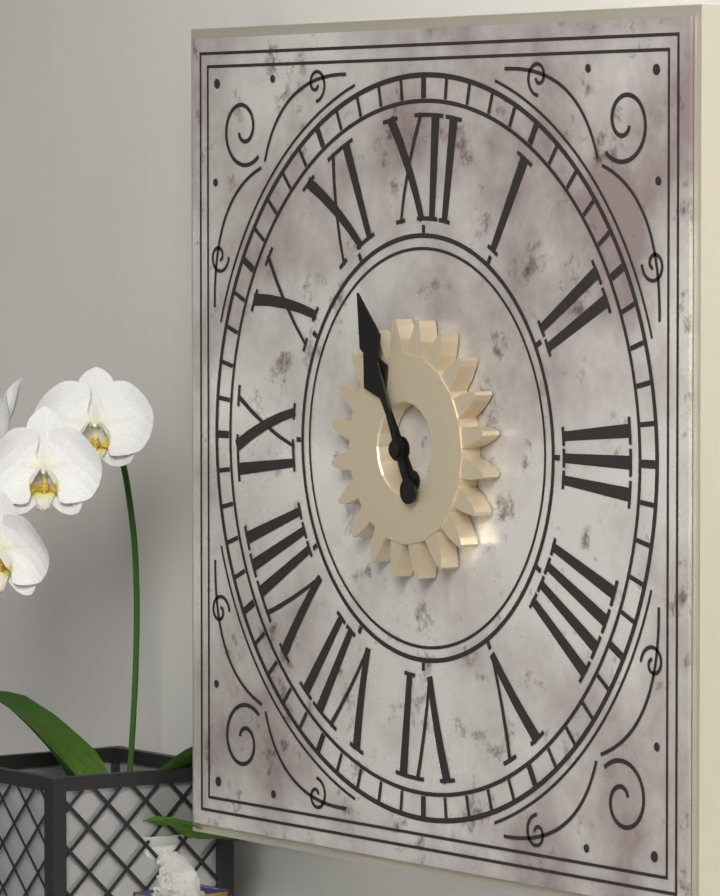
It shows **10:56**
